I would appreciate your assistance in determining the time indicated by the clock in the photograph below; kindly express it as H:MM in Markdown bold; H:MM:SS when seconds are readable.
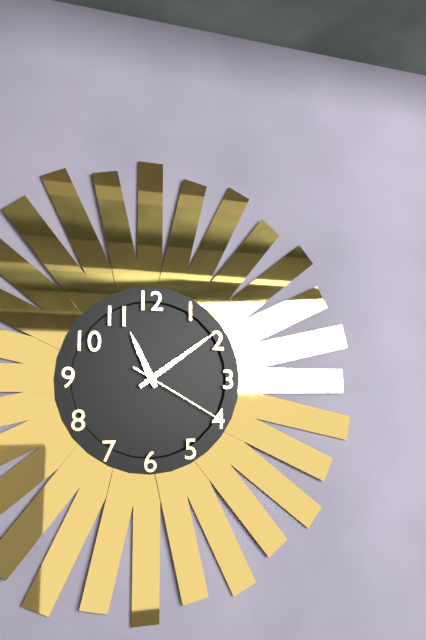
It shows **11:09:20**
